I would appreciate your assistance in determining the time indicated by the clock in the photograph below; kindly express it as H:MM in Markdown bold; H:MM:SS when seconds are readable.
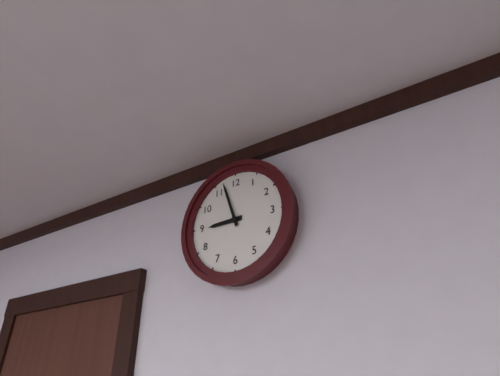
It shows **8:57**
